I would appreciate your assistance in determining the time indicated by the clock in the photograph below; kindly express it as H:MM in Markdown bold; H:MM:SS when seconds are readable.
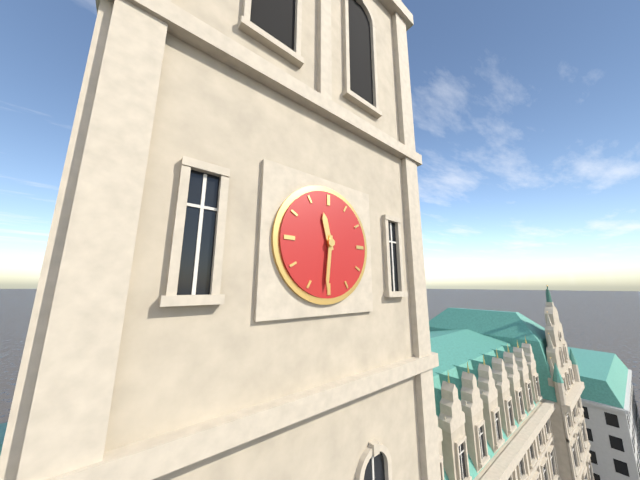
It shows **11:31**
